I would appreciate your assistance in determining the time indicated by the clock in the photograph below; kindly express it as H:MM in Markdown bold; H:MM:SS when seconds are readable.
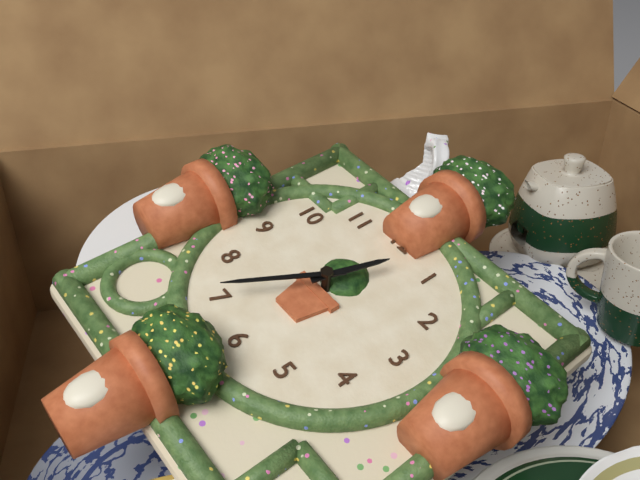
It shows **12:35**
